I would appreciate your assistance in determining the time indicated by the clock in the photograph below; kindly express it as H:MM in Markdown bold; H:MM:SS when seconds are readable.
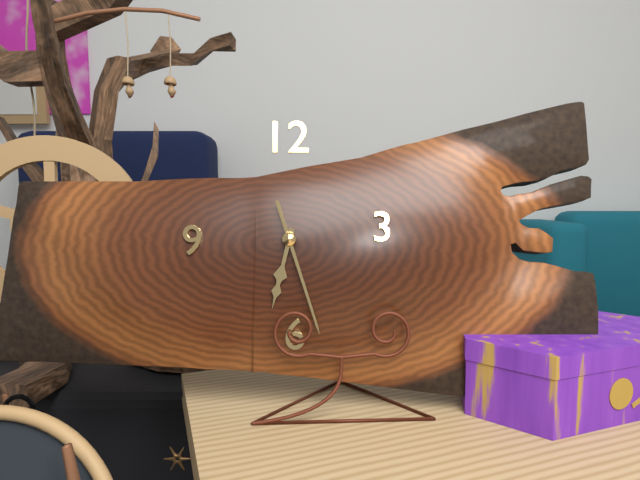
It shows **6:27**
